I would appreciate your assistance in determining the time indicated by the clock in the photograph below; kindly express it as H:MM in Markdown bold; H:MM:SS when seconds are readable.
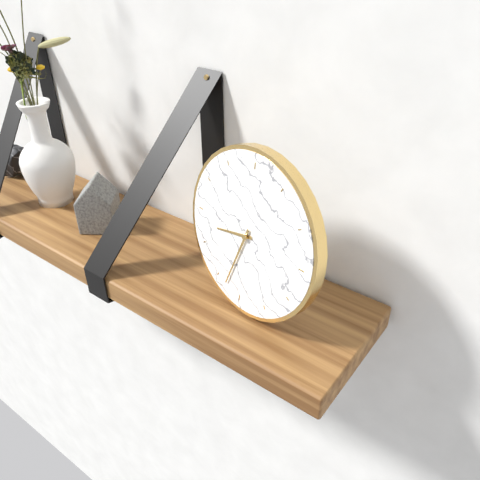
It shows **8:33**
